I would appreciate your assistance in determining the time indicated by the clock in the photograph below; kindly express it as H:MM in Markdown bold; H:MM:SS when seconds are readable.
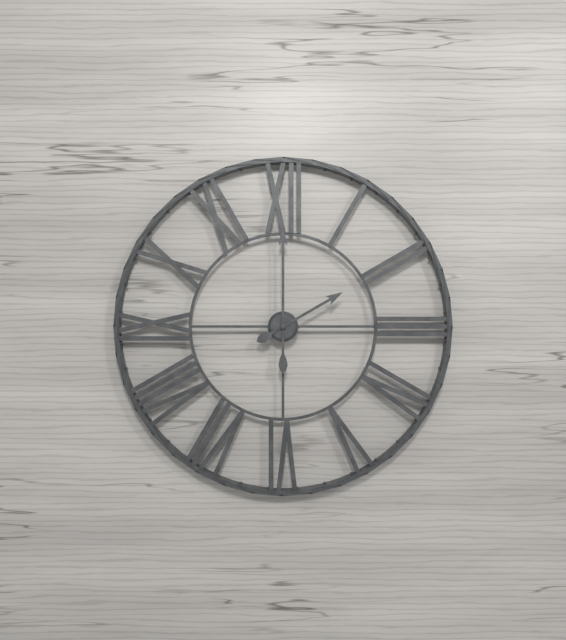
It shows **2:00**
